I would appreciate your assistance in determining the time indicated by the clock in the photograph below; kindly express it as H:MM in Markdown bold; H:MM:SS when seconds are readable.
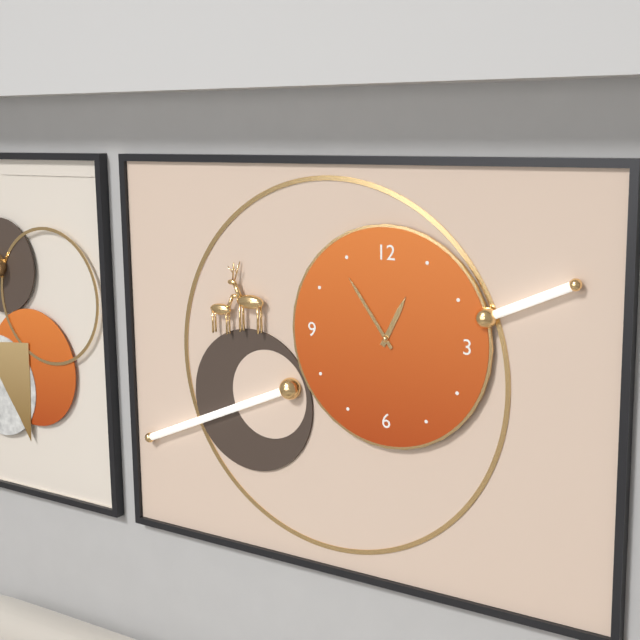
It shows **12:54**
